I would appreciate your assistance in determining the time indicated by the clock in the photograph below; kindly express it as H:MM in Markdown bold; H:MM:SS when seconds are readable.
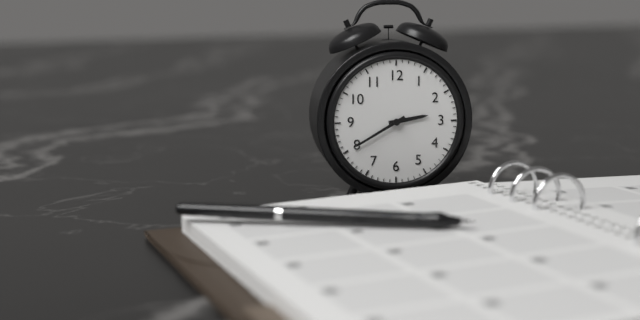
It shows **2:40**
